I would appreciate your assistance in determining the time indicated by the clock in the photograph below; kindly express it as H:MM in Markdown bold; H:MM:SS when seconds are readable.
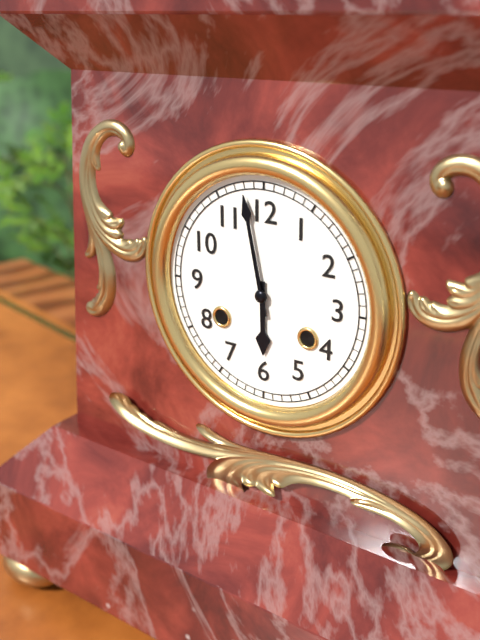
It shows **5:58**
